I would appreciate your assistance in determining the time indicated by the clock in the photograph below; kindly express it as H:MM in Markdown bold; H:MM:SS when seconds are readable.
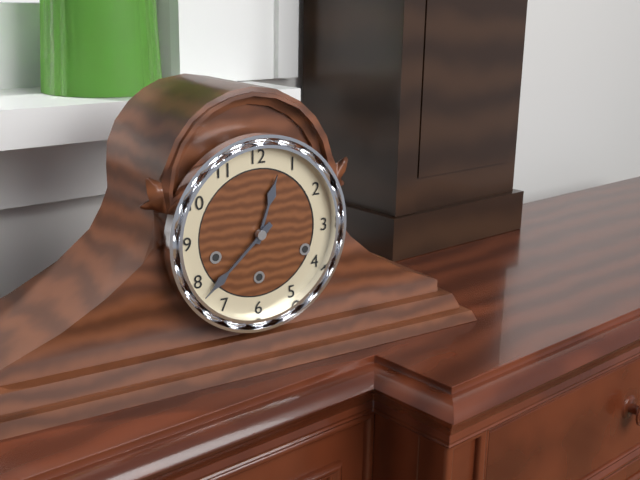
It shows **12:38**
